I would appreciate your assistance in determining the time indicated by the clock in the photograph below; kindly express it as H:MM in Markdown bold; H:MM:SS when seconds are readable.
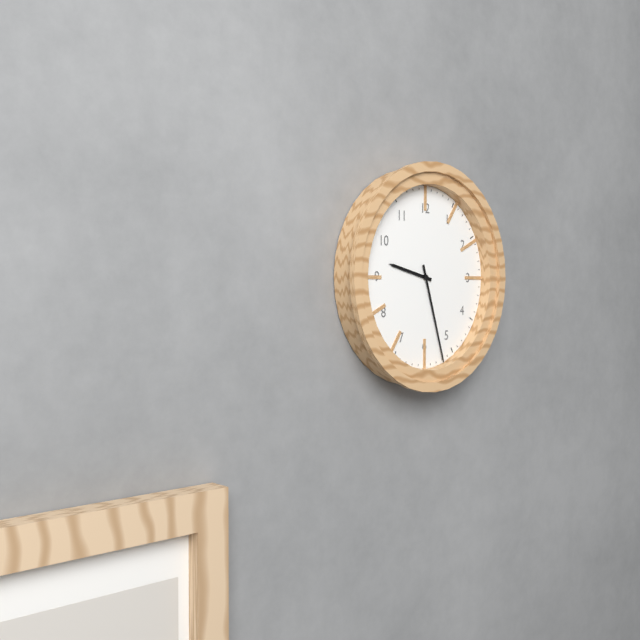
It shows **9:27**
